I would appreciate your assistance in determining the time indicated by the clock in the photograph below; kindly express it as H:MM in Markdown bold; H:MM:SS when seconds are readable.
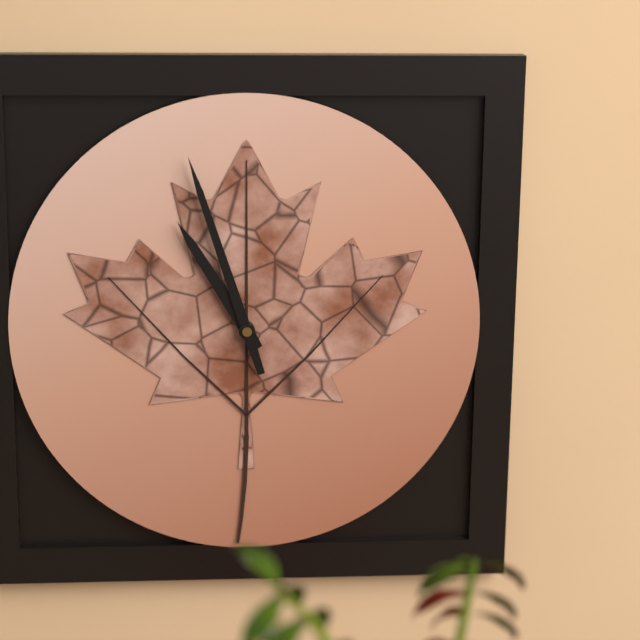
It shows **10:57**
